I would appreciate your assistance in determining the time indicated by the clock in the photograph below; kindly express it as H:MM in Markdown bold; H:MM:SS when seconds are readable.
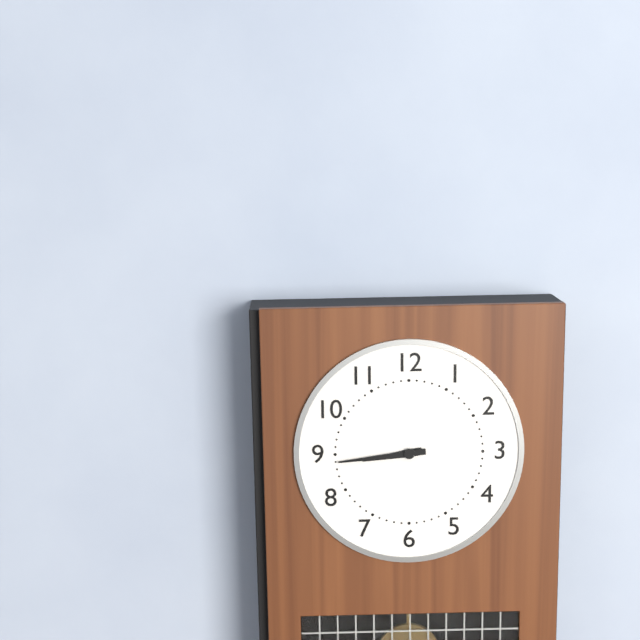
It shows **8:44**
